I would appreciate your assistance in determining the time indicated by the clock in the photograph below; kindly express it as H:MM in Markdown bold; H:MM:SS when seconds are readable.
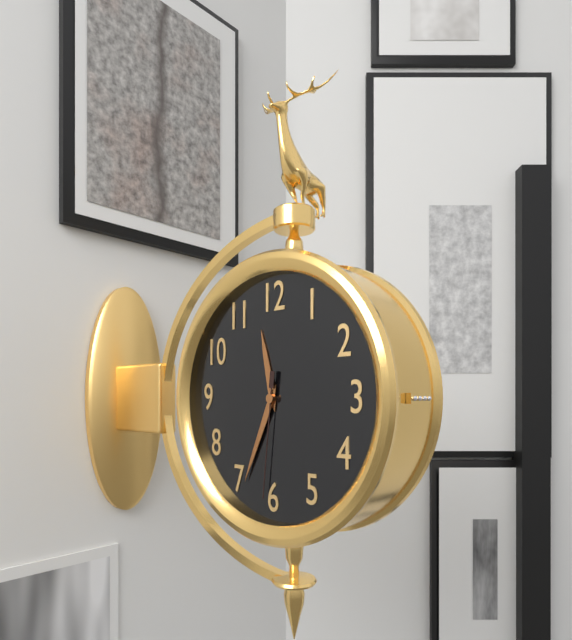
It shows **11:34:31**
